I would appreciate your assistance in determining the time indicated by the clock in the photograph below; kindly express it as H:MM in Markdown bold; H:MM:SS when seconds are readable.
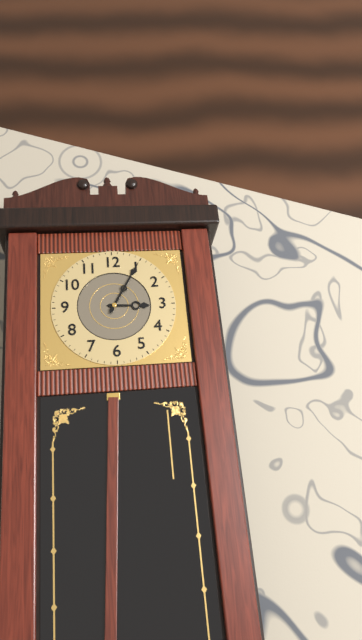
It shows **3:05**
